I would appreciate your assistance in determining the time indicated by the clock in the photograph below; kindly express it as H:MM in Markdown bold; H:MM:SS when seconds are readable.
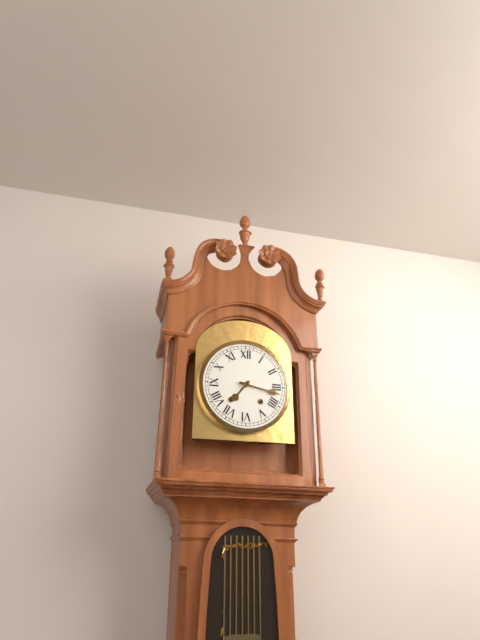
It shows **7:17**
